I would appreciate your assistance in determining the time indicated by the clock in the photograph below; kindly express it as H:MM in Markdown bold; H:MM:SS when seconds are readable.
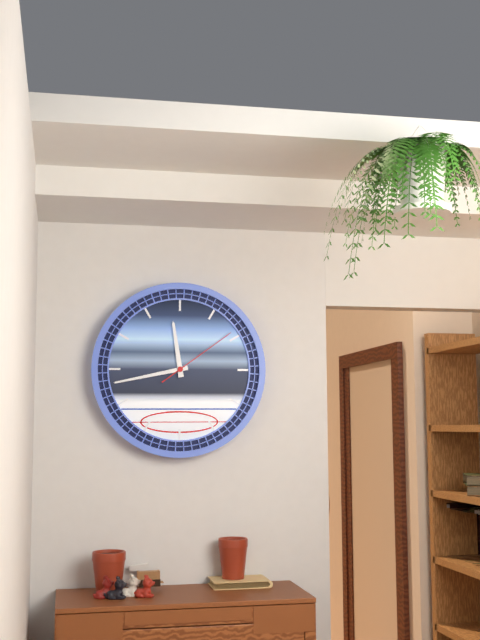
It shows **11:43:09**
